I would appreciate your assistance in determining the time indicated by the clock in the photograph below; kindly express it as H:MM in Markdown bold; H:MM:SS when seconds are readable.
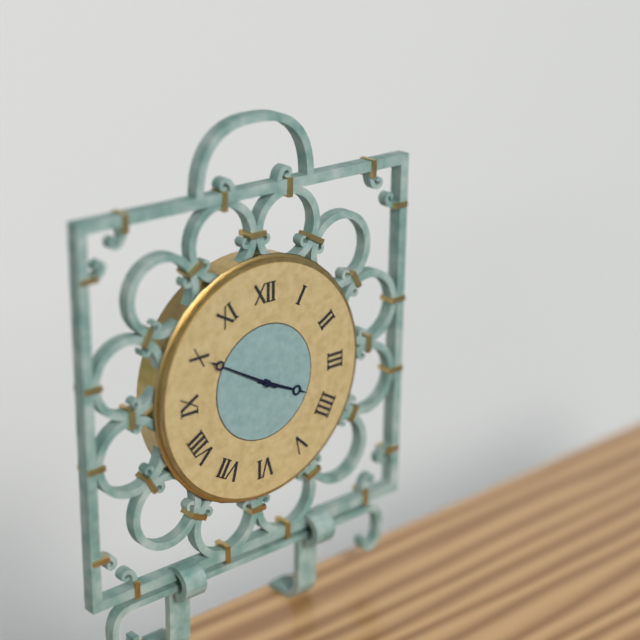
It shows **3:50**
